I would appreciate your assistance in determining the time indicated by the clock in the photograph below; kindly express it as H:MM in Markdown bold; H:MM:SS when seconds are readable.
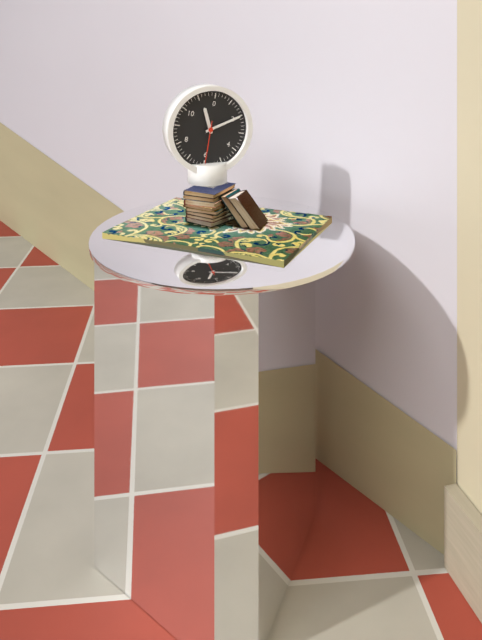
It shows **11:10**
